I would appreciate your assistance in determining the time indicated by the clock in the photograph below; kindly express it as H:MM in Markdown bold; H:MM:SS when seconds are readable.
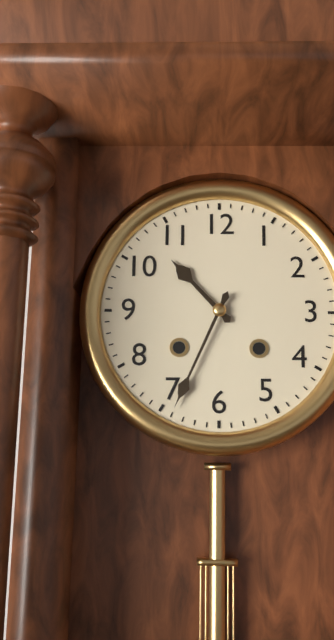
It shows **10:34**
